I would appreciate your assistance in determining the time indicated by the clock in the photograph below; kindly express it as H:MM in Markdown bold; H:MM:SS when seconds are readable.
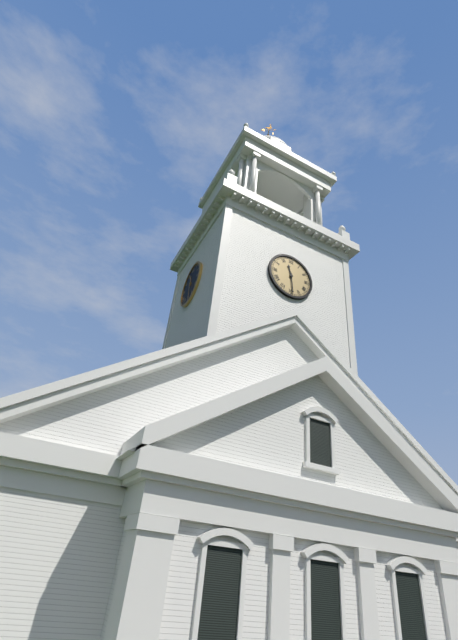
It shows **11:29**
